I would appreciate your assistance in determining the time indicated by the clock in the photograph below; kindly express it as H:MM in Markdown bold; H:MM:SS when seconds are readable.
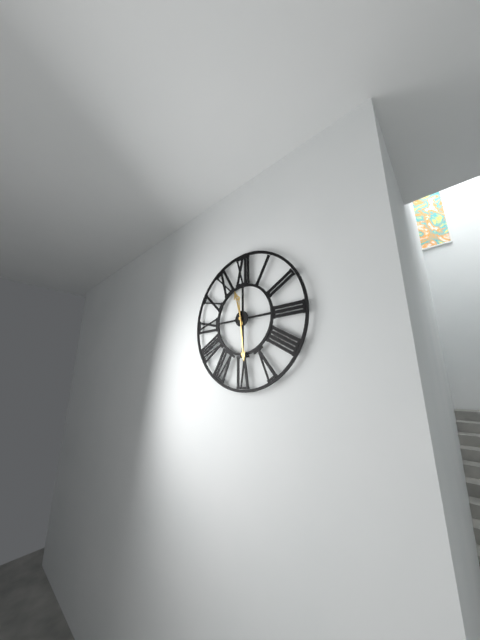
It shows **11:29**
